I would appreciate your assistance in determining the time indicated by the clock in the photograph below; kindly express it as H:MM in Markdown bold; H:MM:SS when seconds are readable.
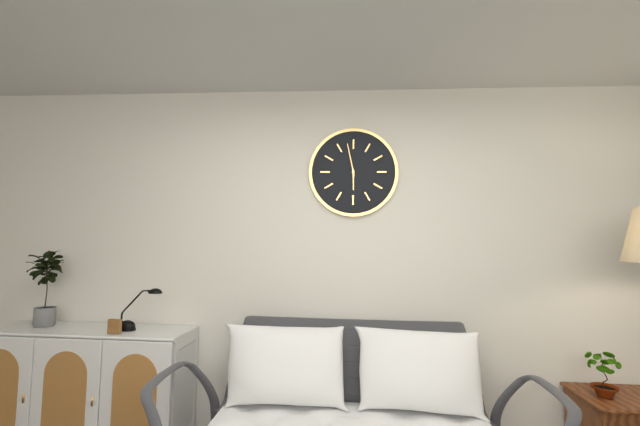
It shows **5:58**
